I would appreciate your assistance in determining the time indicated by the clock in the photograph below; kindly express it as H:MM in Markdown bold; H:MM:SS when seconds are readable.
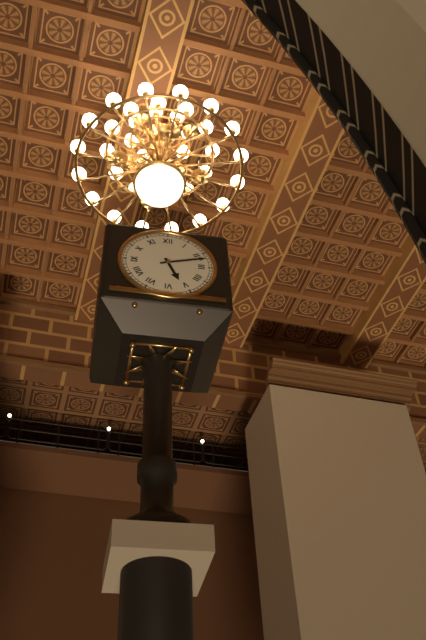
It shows **5:12**
